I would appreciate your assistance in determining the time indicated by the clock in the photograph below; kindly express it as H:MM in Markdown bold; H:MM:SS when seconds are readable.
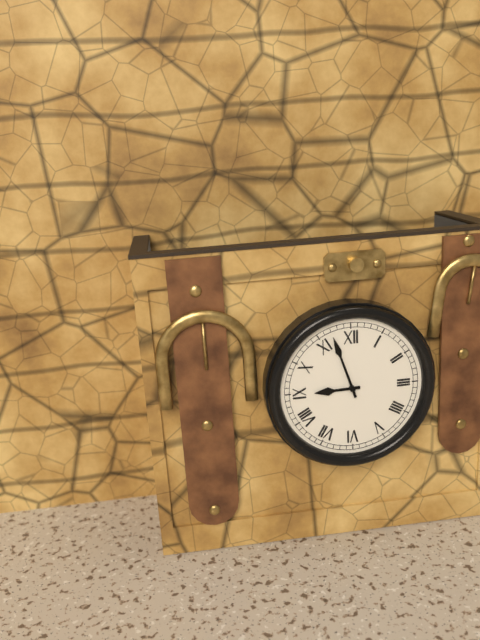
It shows **8:57**
